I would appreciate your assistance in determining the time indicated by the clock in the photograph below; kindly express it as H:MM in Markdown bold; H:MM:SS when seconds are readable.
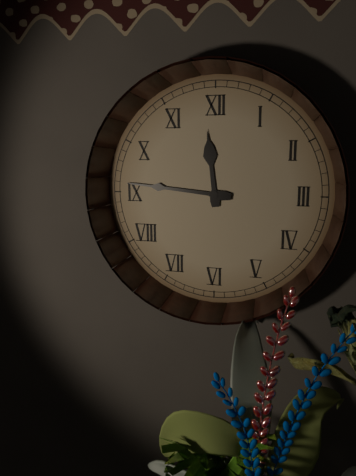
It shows **11:46**
